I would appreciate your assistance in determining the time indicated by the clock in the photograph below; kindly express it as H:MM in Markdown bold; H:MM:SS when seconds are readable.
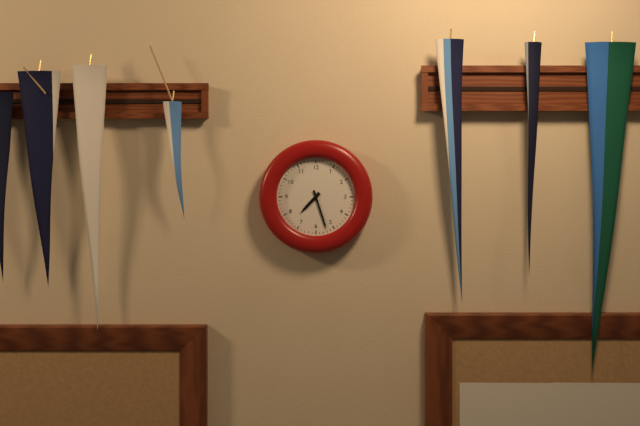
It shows **7:27**
